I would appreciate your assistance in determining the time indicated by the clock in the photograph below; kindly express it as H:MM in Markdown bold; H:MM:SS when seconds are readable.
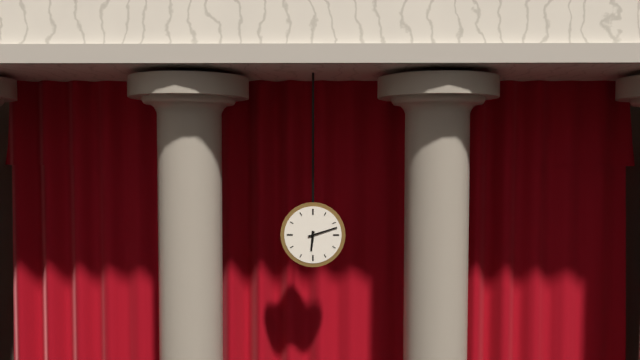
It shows **6:12**
